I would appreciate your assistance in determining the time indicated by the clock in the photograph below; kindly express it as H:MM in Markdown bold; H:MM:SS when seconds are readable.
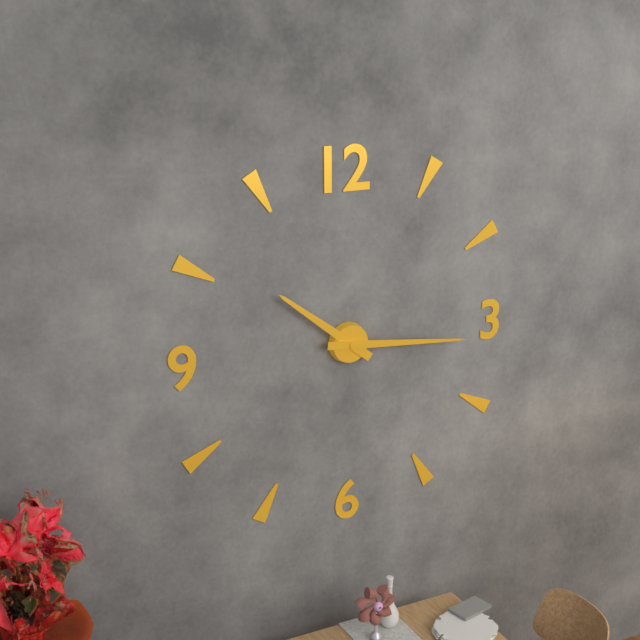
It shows **10:16**
